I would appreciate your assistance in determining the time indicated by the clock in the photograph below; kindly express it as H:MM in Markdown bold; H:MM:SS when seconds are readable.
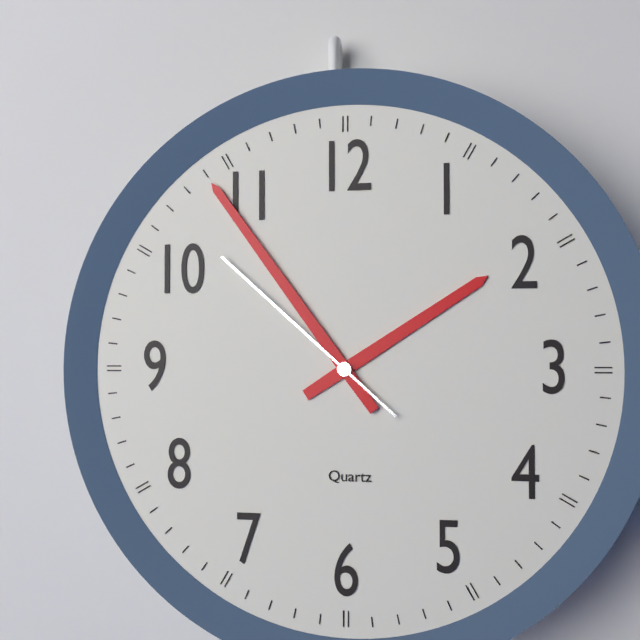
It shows **1:54:52**
